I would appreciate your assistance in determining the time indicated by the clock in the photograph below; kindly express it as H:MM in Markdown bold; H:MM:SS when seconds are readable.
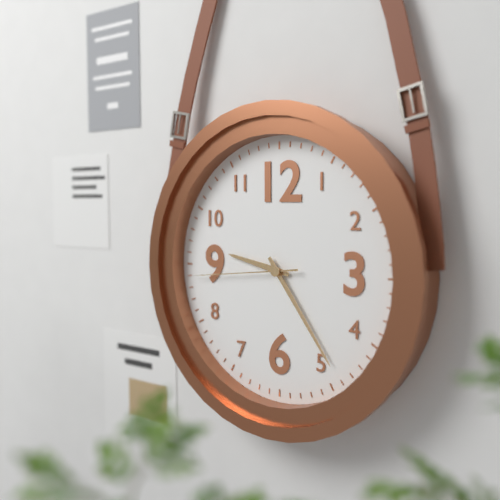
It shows **9:24:44**
